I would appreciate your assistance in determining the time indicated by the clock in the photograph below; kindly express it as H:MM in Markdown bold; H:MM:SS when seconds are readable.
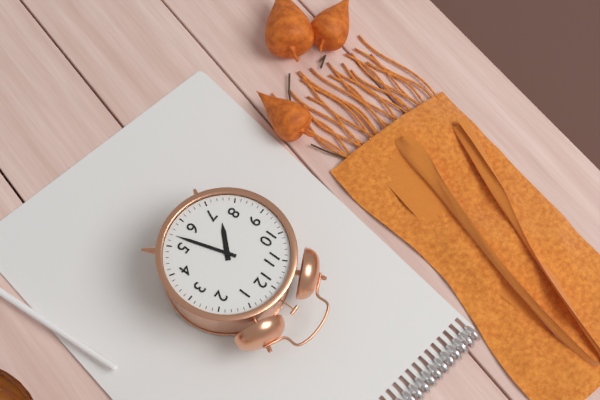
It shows **7:27**
